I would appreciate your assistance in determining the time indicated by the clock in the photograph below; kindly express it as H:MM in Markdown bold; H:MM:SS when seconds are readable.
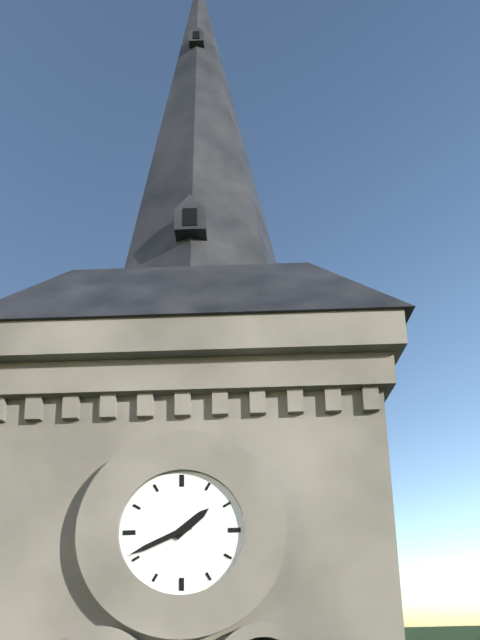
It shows **1:41**
